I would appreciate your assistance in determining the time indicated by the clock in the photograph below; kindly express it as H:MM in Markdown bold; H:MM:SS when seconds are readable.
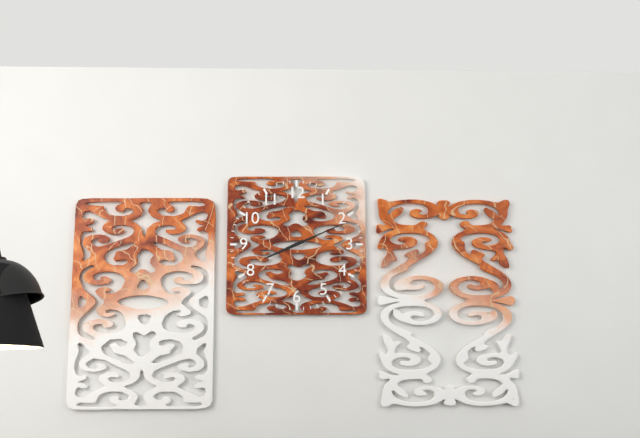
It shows **8:11**
